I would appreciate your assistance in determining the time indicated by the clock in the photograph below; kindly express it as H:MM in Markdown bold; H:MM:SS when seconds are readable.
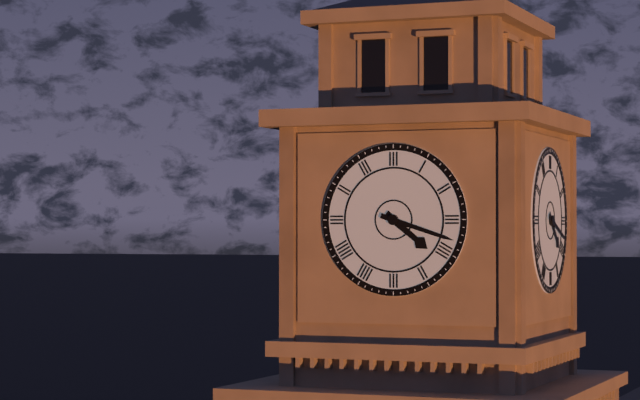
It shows **4:18**
